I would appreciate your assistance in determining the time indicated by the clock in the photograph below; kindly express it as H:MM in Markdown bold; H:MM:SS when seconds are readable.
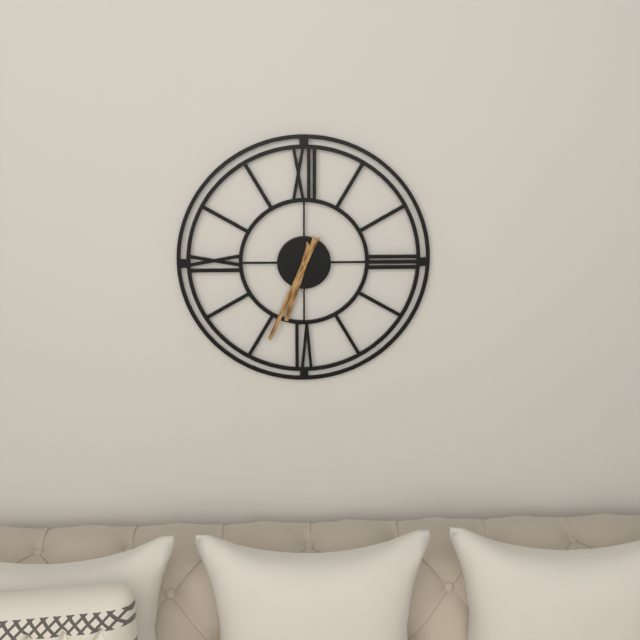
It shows **6:34**
